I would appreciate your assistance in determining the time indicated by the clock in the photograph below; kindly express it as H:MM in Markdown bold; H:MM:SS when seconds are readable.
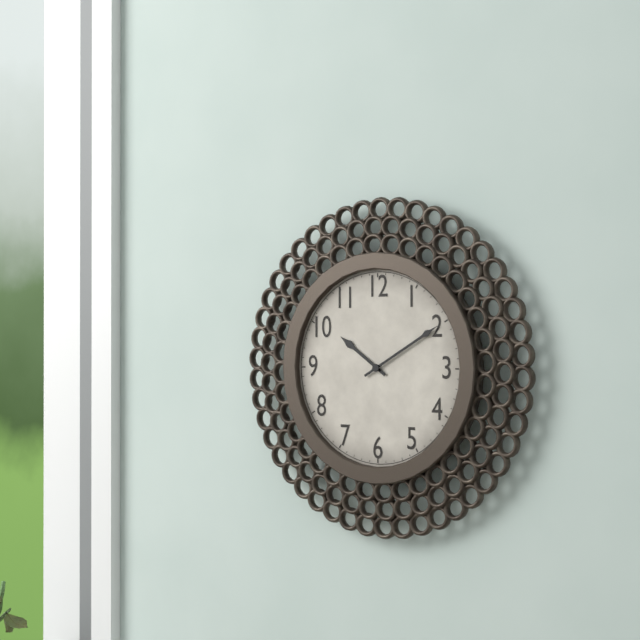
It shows **10:10**
